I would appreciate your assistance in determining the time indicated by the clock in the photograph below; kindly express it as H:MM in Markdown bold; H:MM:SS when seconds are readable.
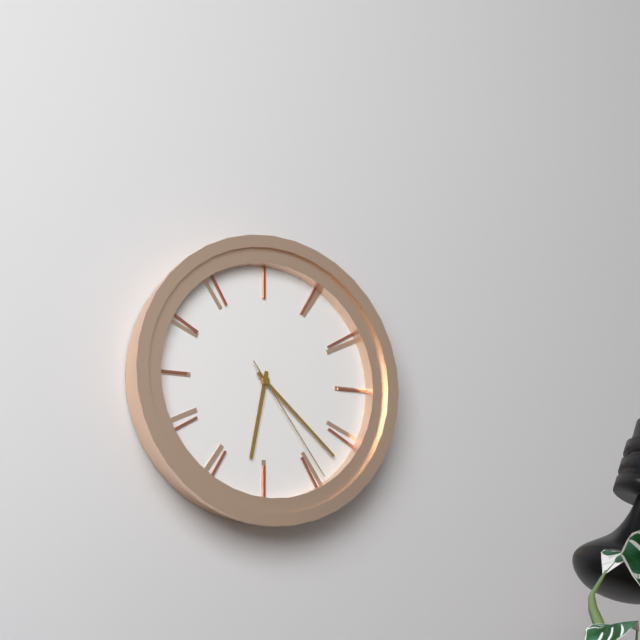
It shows **6:22:24**
